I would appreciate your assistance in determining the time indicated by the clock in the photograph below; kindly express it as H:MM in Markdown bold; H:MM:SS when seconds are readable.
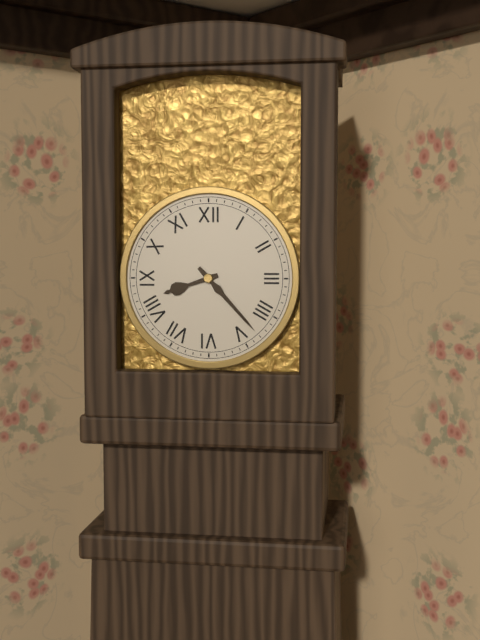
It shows **8:23**
